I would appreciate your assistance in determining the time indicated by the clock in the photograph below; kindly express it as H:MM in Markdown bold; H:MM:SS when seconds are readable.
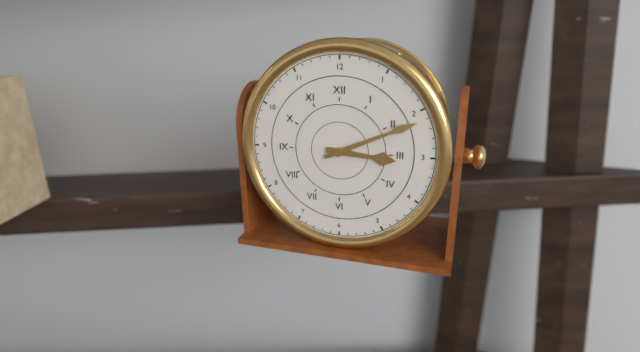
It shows **3:11**
